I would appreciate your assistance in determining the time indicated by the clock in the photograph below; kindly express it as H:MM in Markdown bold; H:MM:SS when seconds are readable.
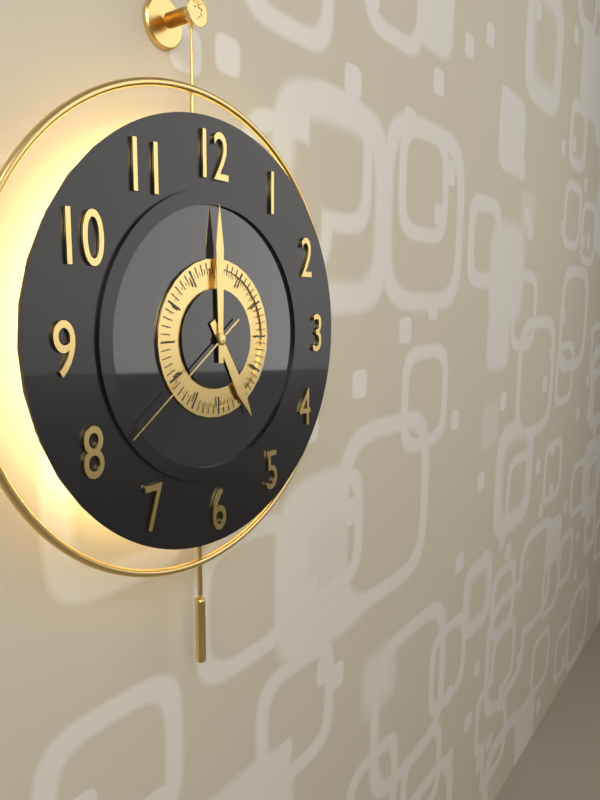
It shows **5:00:39**
